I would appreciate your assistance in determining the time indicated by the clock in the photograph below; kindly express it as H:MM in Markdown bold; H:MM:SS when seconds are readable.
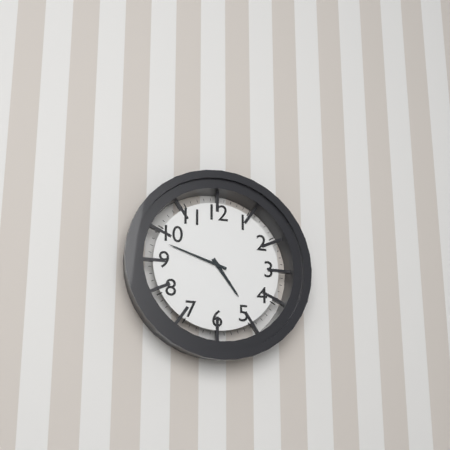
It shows **4:48**
